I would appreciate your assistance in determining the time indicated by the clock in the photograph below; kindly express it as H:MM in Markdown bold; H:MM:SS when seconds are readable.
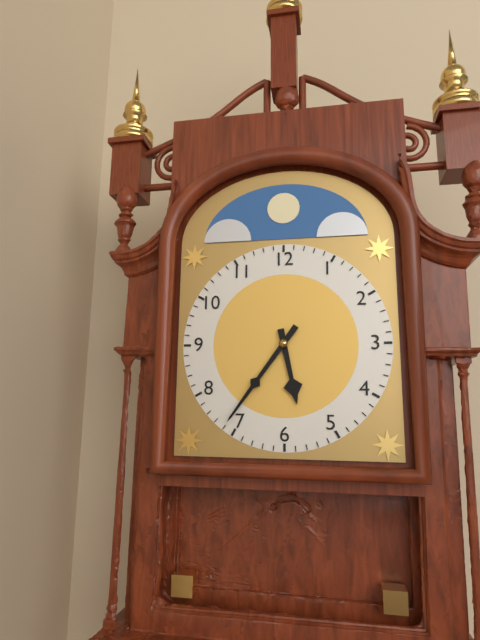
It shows **5:36**
